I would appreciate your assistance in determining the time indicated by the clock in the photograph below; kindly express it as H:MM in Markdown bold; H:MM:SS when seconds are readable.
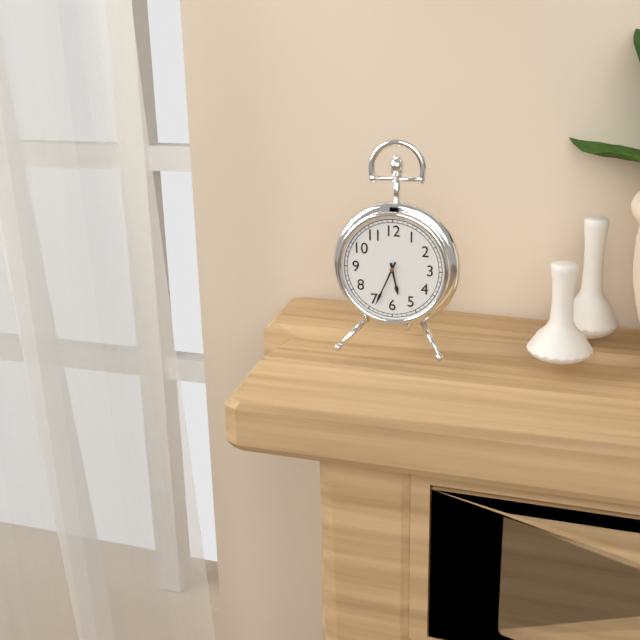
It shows **5:34**
